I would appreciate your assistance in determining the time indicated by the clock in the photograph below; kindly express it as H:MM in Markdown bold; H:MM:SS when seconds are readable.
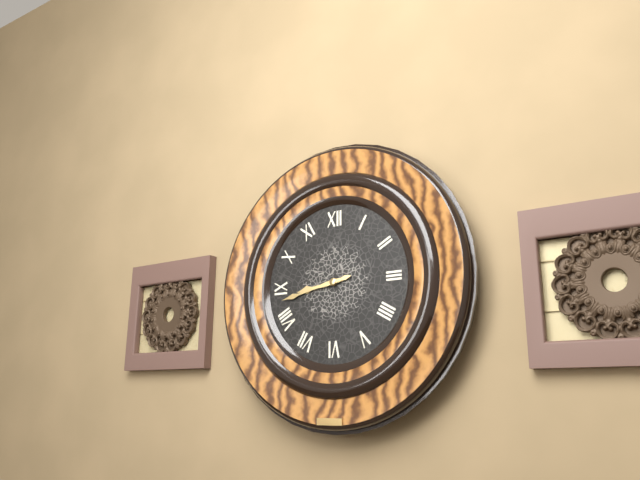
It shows **8:43**
